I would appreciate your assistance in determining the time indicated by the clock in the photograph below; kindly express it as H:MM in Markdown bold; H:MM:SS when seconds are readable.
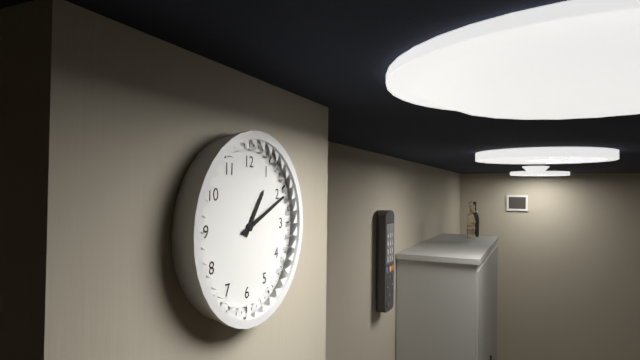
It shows **1:11**
